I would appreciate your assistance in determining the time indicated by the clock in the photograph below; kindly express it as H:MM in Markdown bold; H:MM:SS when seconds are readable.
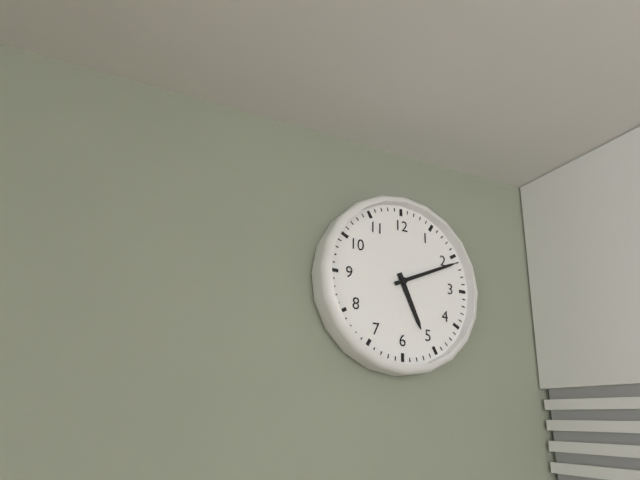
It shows **5:11**
